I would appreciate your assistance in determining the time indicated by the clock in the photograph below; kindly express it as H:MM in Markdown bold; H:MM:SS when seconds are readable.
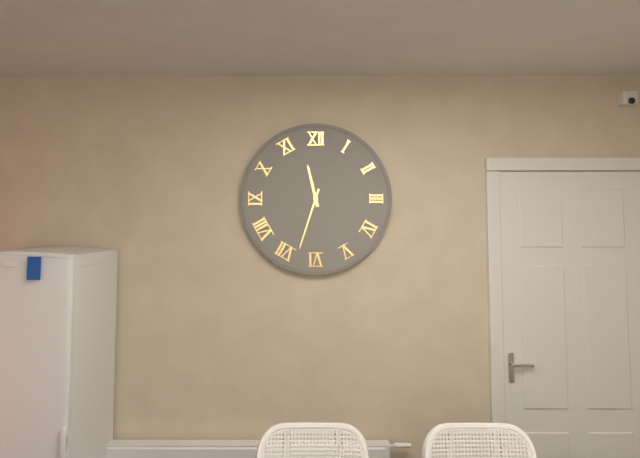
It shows **11:33**
